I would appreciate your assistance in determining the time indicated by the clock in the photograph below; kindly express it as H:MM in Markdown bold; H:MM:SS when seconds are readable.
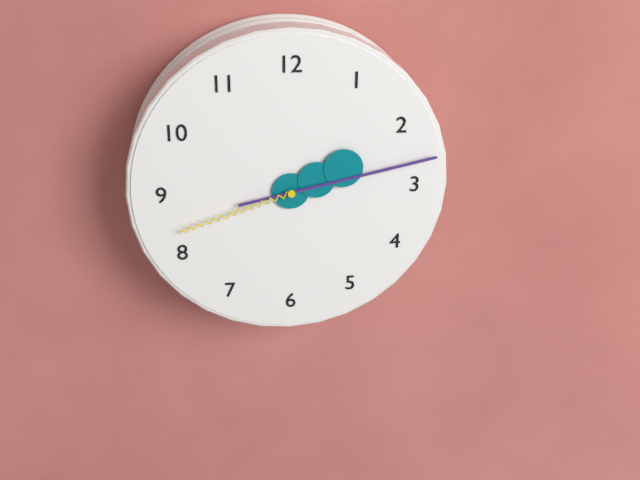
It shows **2:13:42**
